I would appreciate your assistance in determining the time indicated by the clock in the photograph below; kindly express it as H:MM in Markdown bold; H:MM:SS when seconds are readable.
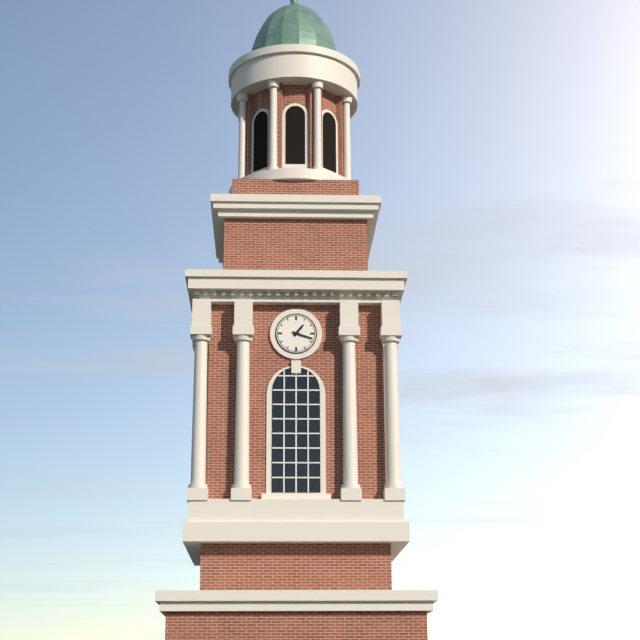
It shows **1:18**
